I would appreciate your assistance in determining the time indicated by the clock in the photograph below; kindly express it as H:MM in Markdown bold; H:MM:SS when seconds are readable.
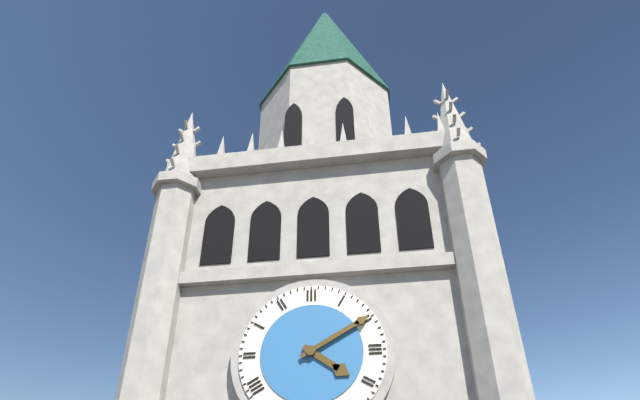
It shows **4:10**
